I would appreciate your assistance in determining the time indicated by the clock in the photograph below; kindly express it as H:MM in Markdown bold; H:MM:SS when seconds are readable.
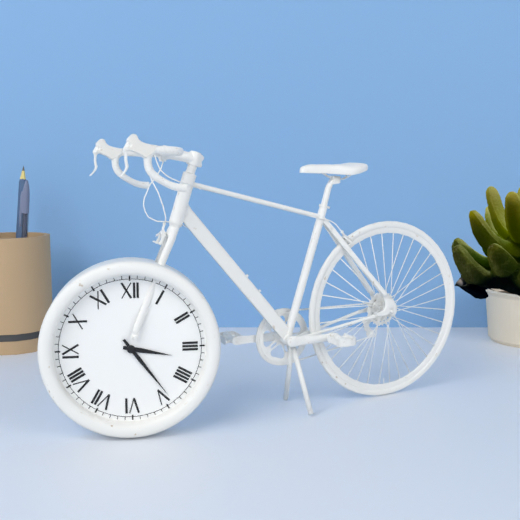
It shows **3:24**
